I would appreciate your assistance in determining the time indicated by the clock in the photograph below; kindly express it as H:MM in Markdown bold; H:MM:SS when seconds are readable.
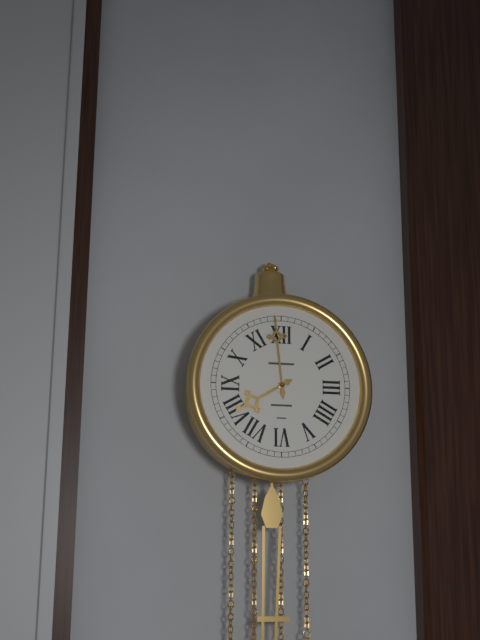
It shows **7:59**
